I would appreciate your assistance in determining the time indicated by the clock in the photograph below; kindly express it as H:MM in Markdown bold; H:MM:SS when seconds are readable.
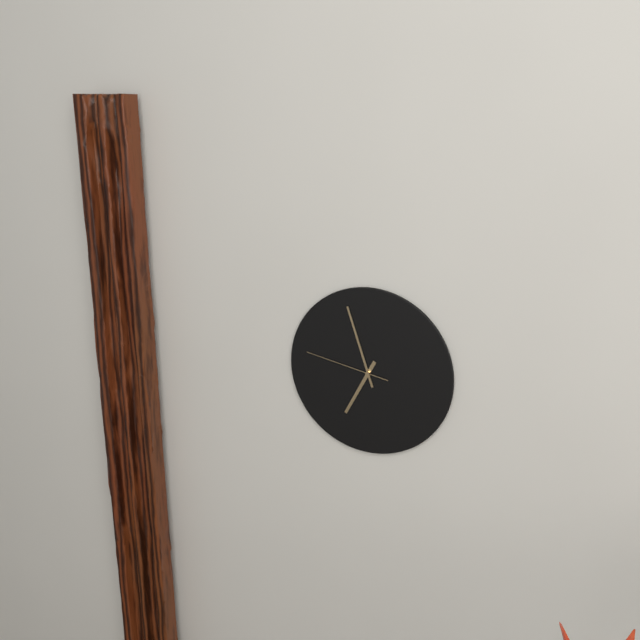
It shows **6:57:47**
